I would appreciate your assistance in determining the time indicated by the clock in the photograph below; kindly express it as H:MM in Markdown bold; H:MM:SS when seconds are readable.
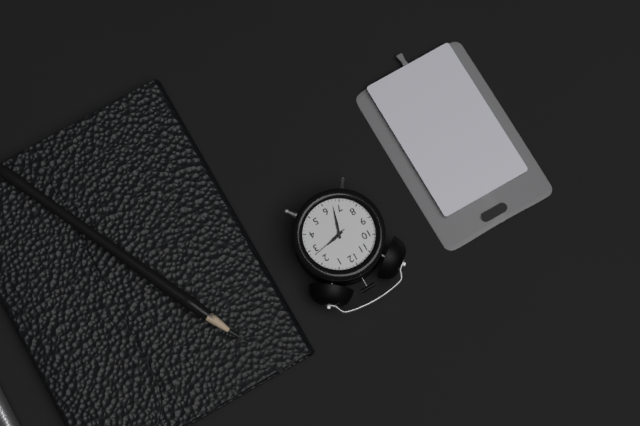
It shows **2:33**
